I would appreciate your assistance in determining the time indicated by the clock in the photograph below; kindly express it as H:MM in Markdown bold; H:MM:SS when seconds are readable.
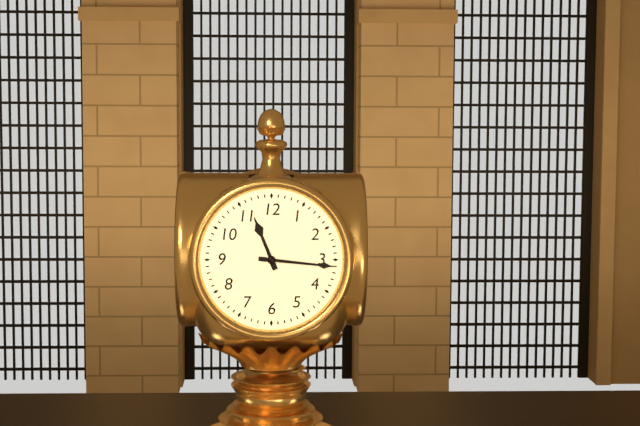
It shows **11:16**
